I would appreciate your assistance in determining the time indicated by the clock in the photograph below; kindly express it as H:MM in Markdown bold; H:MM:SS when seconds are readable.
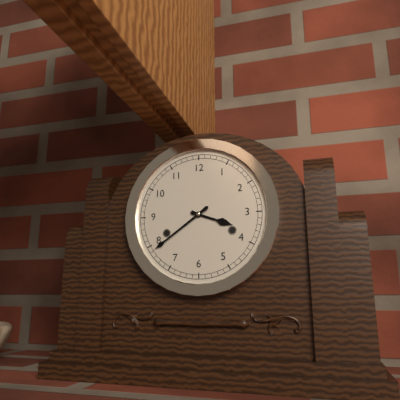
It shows **3:39**
